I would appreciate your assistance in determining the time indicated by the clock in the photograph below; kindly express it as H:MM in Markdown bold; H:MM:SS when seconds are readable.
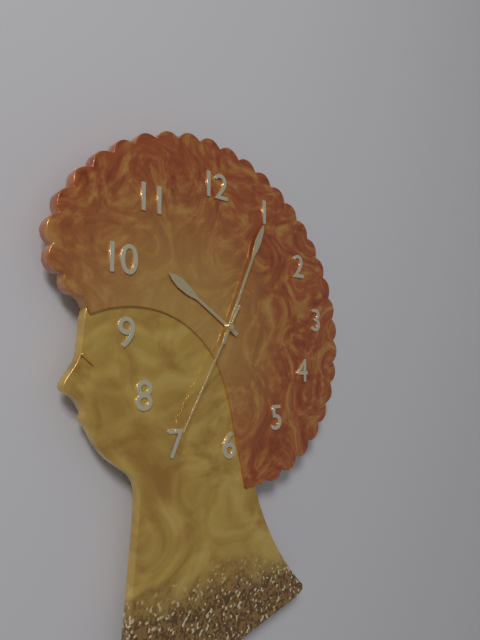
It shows **10:04:35**
